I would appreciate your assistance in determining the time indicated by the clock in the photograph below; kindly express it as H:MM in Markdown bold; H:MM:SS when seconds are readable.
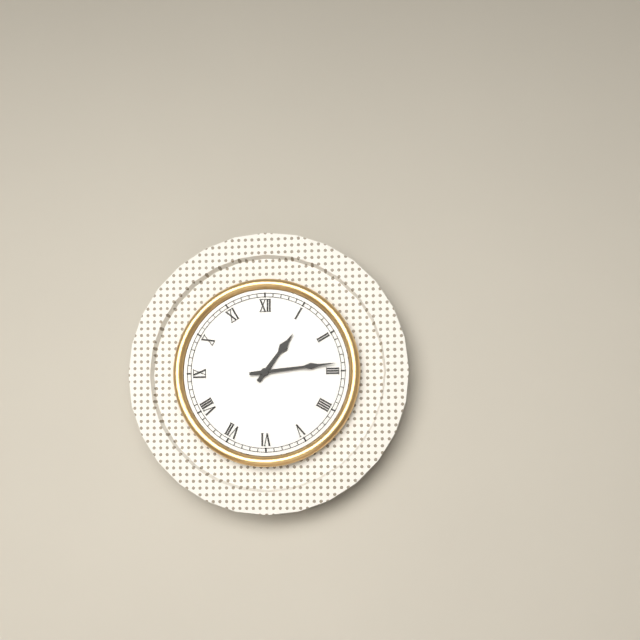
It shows **1:14**
